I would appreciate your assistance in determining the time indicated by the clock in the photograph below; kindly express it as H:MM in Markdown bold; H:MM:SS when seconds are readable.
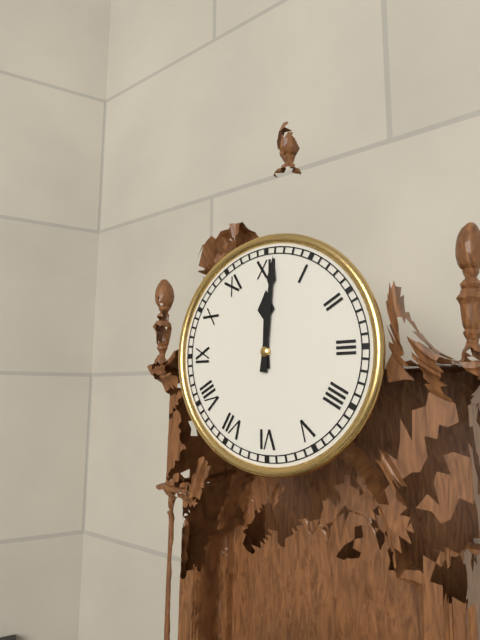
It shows **12:01**
